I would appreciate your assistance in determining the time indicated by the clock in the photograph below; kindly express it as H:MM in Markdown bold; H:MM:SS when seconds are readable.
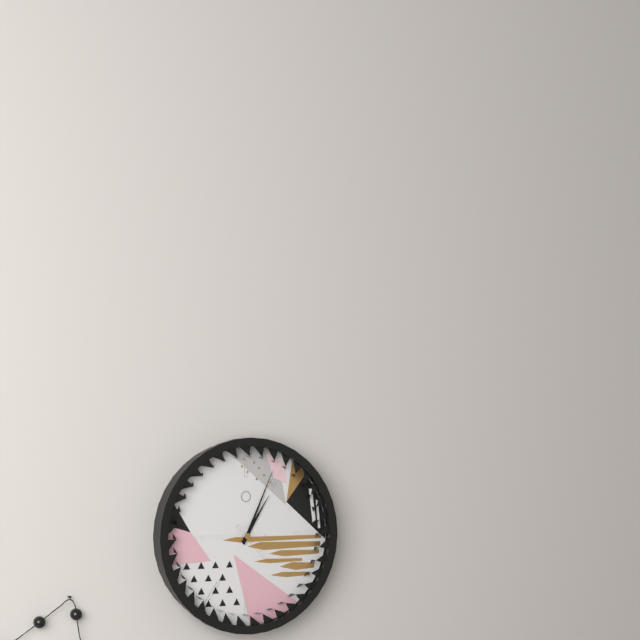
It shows **1:04**
